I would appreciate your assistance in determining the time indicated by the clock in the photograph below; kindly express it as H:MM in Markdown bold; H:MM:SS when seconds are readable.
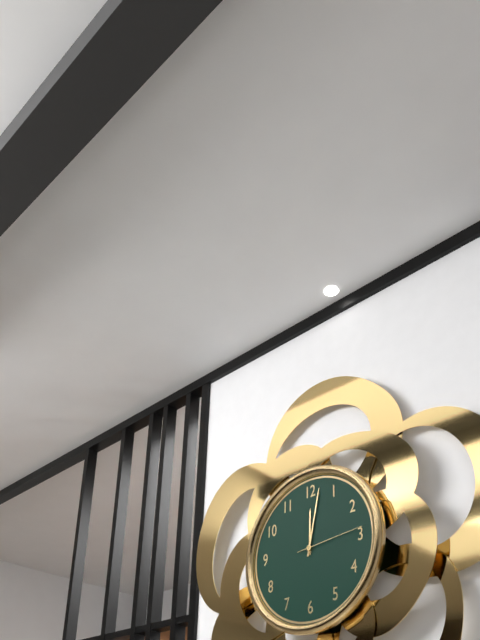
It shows **12:02:14**
